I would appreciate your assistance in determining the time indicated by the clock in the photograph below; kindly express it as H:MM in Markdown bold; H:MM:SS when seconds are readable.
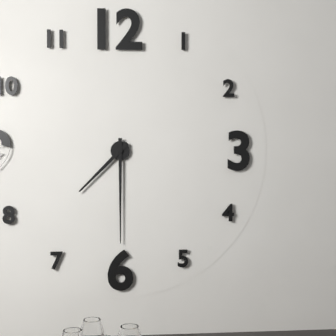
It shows **7:30**
